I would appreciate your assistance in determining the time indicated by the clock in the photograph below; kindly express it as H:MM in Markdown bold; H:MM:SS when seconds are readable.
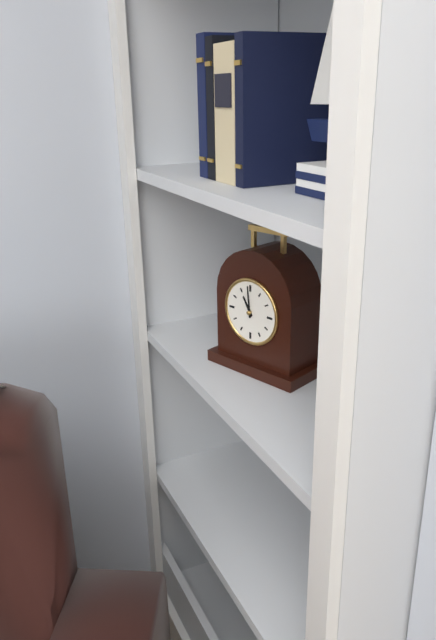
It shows **10:59**
